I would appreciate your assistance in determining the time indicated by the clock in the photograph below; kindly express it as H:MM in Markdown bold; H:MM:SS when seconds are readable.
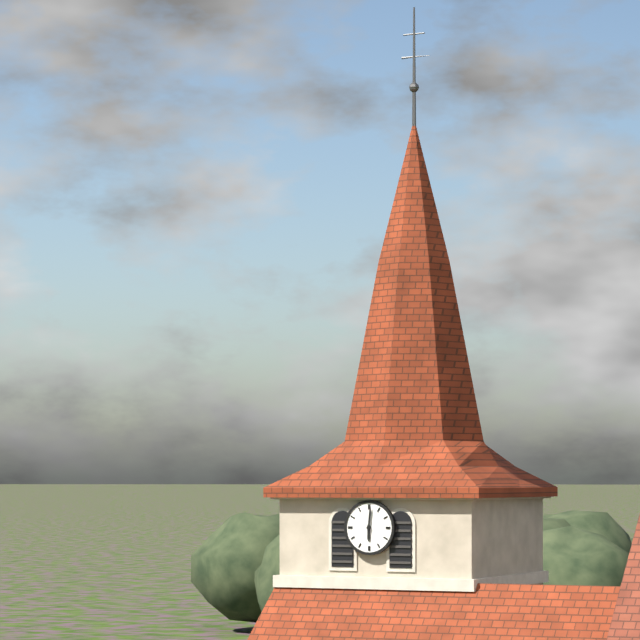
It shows **6:01**
